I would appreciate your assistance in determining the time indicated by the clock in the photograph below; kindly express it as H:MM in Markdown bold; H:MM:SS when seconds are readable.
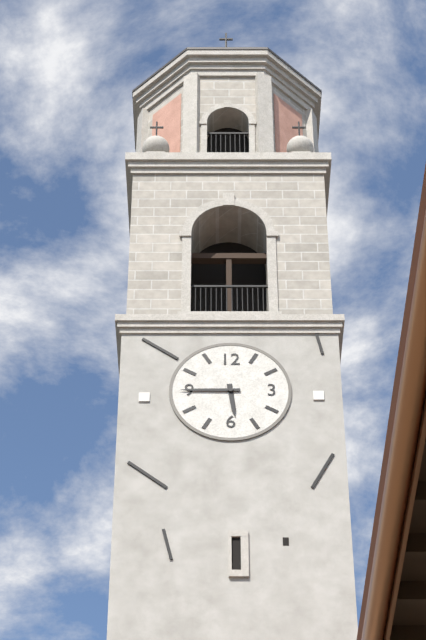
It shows **5:45**
